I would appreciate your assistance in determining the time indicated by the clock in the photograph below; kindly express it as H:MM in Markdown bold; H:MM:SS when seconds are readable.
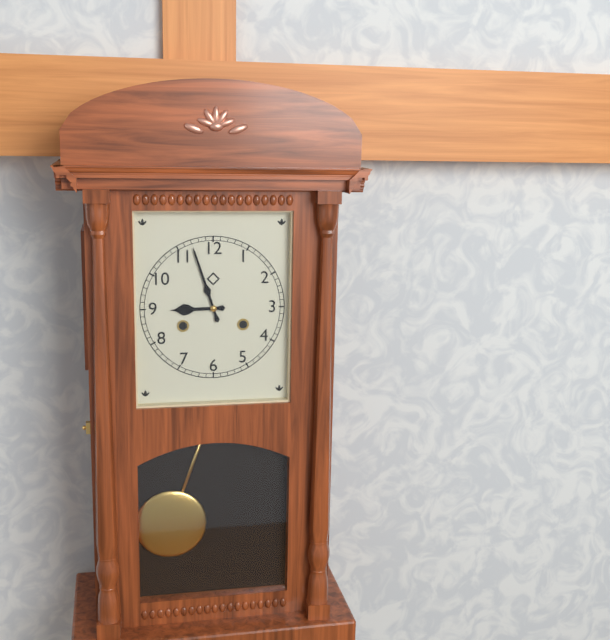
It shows **8:57**
